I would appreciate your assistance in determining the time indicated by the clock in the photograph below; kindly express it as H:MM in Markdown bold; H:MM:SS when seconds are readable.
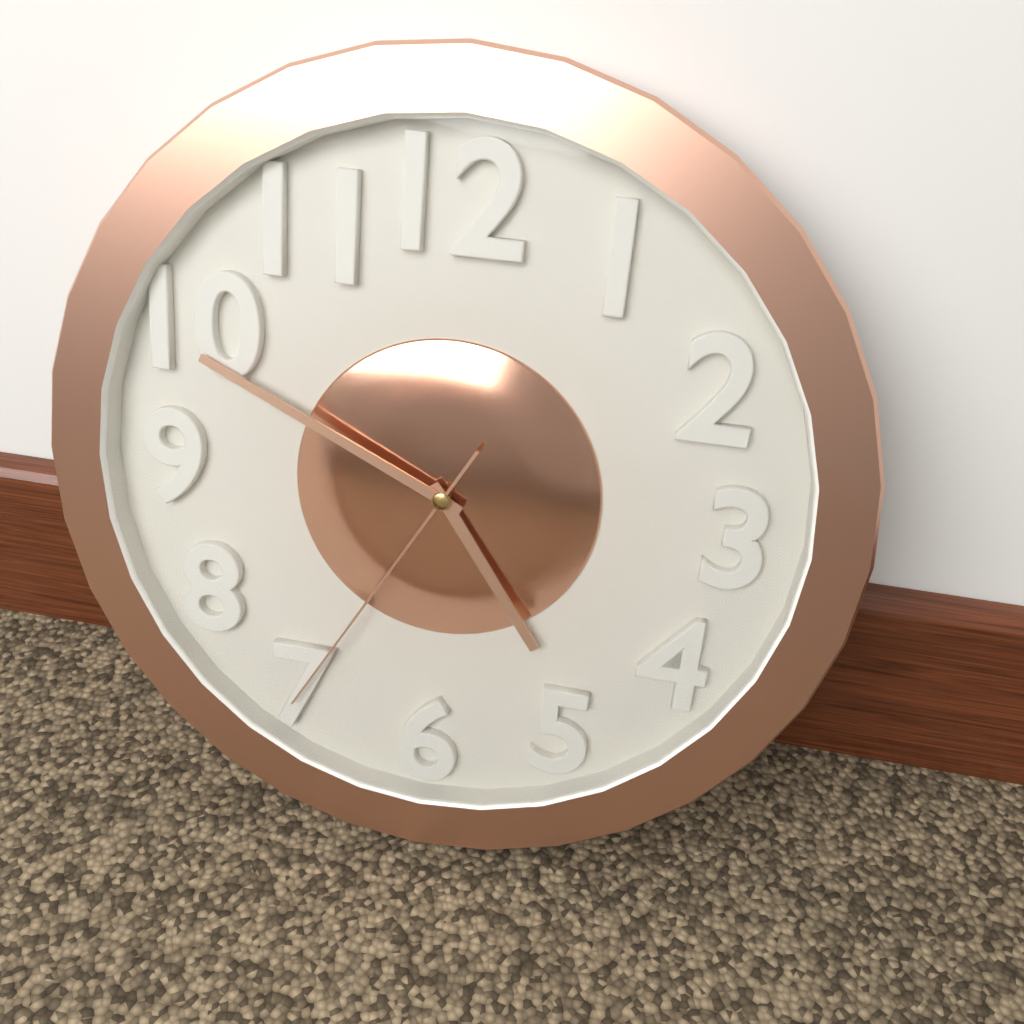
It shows **4:49:35**
